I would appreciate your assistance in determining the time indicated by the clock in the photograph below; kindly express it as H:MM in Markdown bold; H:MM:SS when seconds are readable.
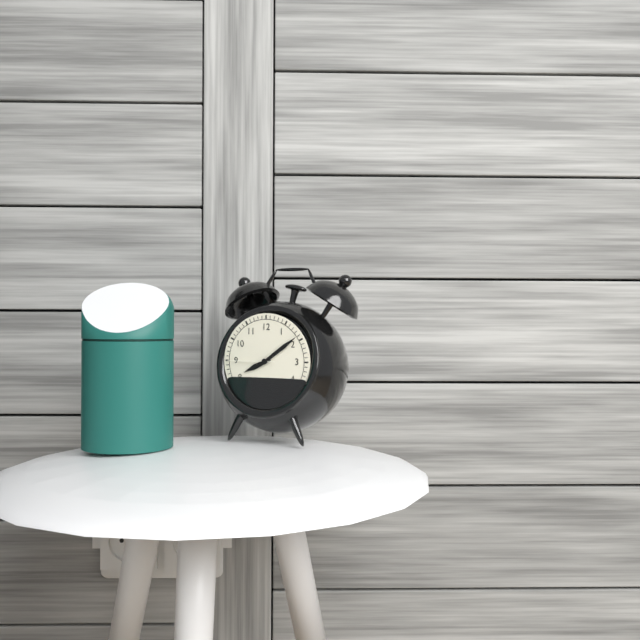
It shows **8:09**
